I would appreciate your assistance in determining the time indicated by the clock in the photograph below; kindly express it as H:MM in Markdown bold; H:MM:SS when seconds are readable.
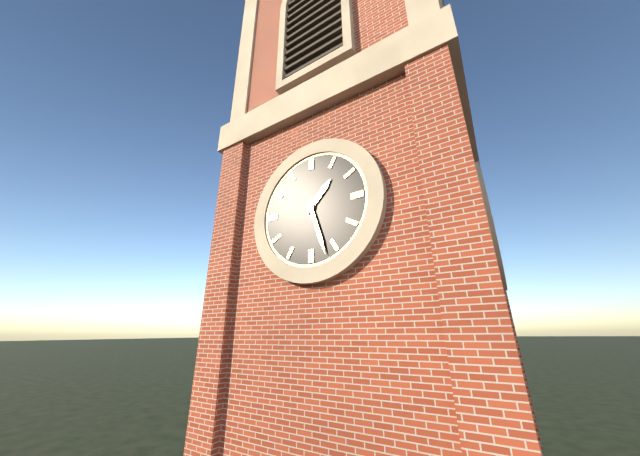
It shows **1:27**
